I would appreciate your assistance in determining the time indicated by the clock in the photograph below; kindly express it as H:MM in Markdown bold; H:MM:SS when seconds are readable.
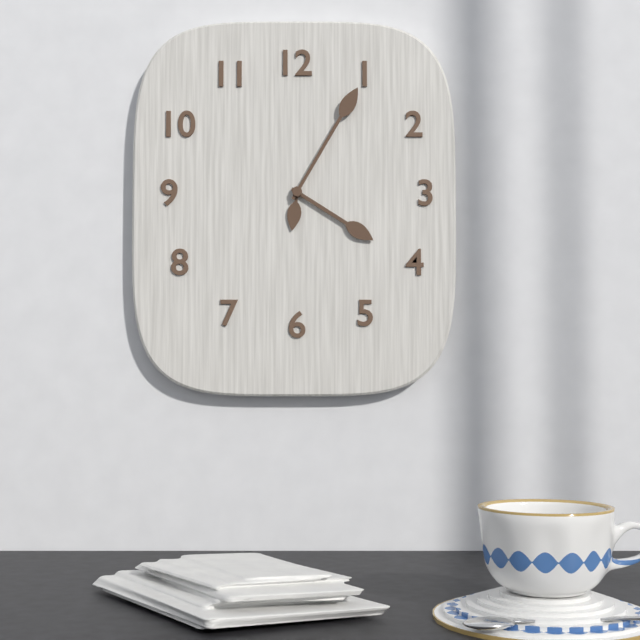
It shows **4:05**
